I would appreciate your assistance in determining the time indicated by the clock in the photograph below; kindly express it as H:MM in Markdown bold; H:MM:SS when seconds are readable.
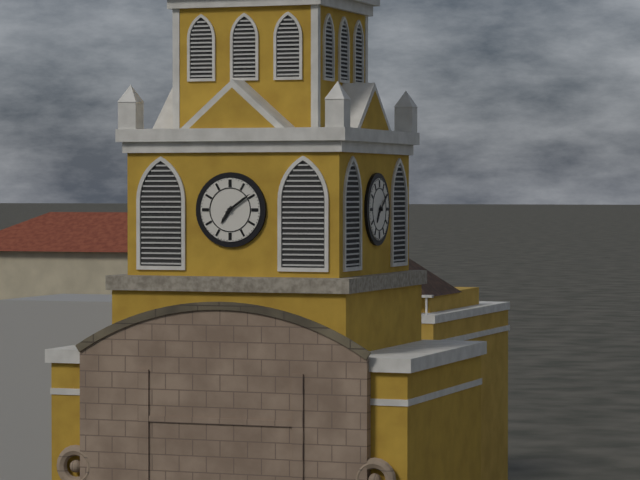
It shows **7:09**
